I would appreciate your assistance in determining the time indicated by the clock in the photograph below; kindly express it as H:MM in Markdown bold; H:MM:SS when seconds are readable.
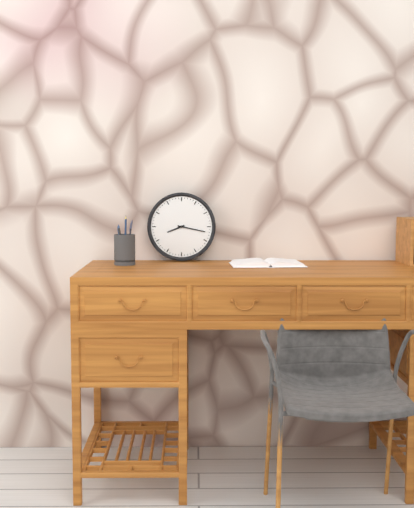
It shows **8:17**
